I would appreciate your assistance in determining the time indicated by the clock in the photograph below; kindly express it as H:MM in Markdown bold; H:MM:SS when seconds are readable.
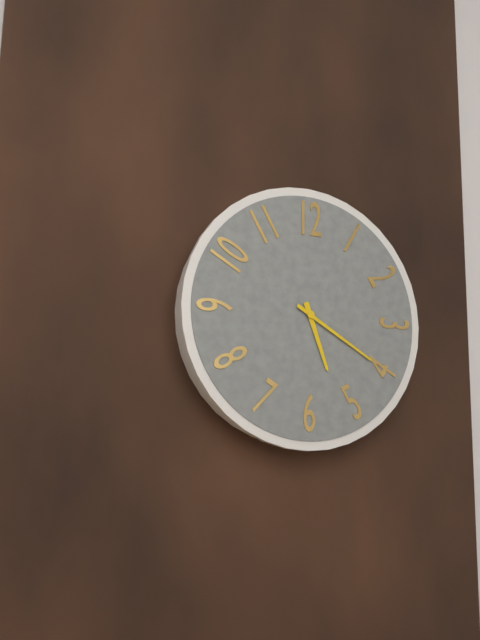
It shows **5:20**
